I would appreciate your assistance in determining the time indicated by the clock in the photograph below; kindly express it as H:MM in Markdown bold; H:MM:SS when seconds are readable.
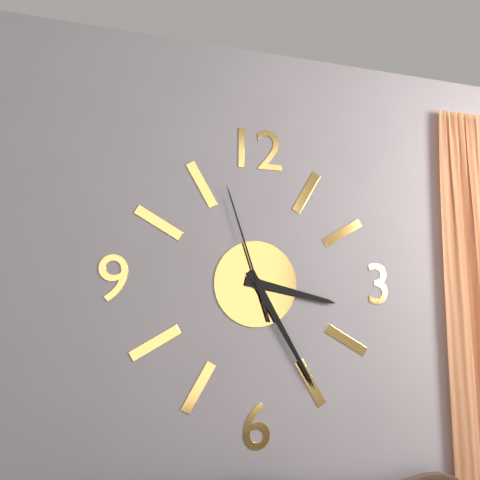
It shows **3:25:57**
